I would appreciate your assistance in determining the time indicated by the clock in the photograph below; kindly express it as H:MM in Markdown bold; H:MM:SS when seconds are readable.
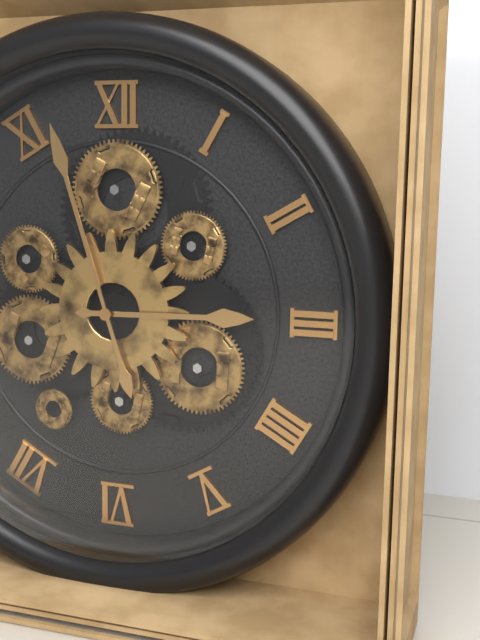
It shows **2:57**
